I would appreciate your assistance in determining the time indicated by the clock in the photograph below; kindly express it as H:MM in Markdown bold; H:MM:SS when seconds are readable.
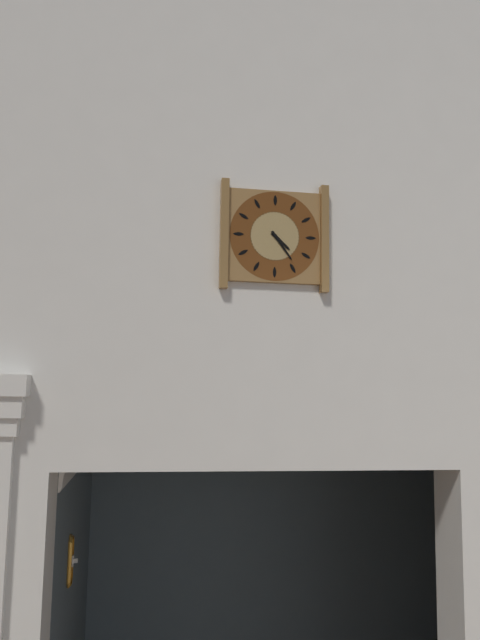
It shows **4:24**
